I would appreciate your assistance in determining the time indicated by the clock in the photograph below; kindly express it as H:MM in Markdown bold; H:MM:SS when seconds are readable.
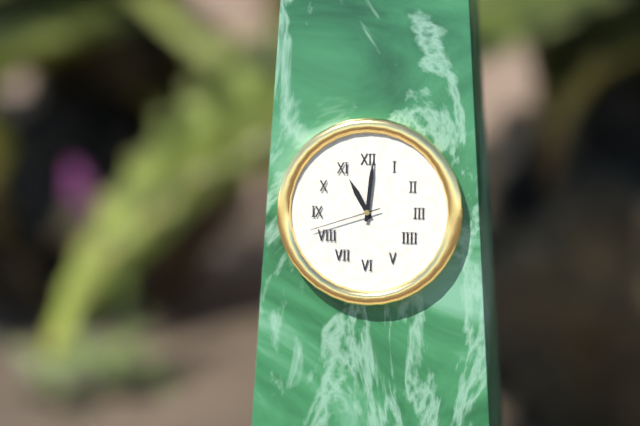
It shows **11:01:42**
